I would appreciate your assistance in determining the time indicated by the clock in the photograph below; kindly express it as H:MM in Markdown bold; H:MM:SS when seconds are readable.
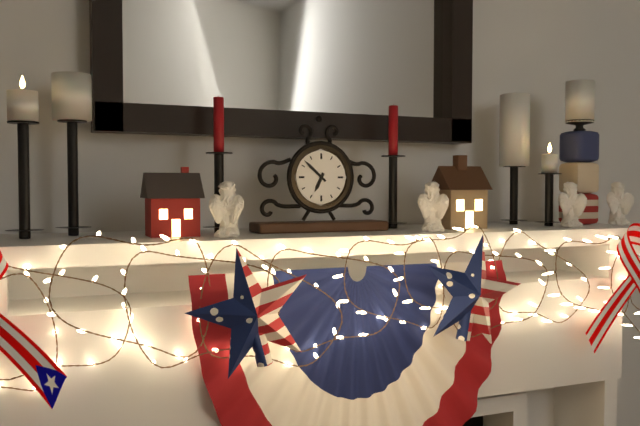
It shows **6:52**
